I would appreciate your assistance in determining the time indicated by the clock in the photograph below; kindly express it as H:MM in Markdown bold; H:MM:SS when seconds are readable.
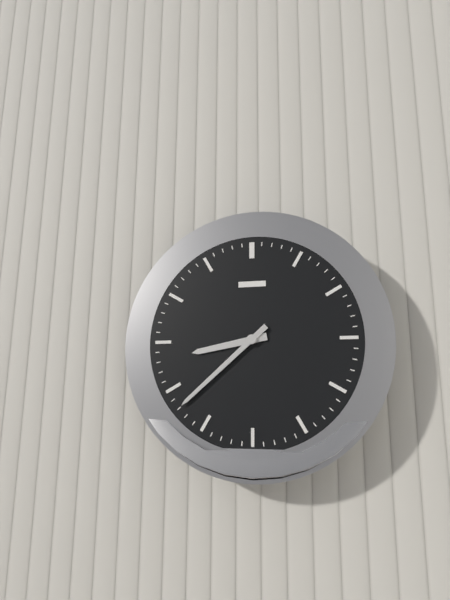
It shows **8:38**
